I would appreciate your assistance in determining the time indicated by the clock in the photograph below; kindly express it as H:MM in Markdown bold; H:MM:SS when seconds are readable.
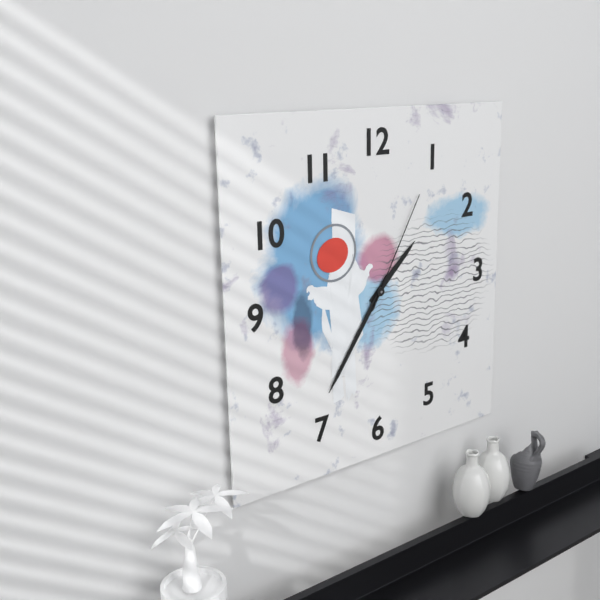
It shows **1:36:05**
